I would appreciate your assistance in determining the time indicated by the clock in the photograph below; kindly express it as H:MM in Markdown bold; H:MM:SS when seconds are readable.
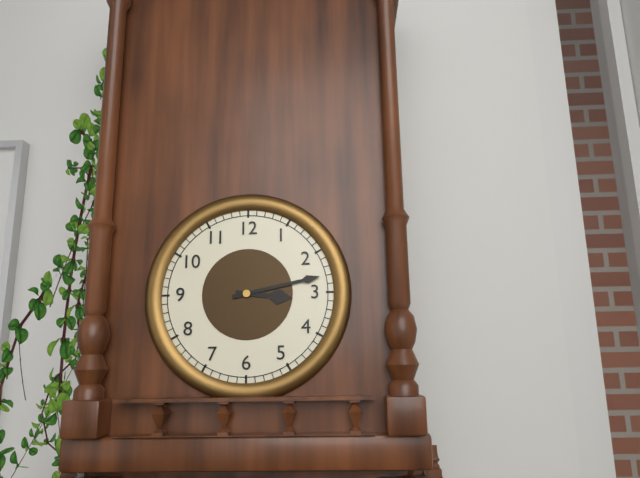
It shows **3:13**
